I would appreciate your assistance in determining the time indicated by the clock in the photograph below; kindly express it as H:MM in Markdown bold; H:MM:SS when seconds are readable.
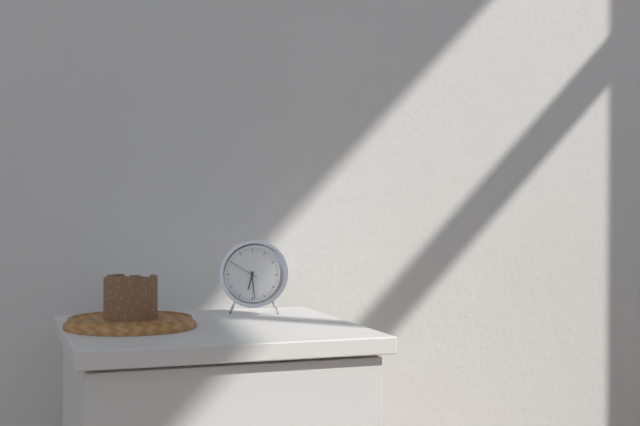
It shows **6:29**
